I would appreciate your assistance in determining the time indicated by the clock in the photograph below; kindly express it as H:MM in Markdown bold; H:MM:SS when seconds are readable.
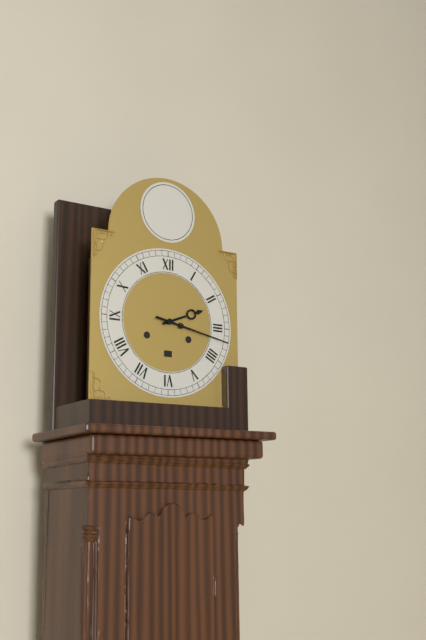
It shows **2:17**
